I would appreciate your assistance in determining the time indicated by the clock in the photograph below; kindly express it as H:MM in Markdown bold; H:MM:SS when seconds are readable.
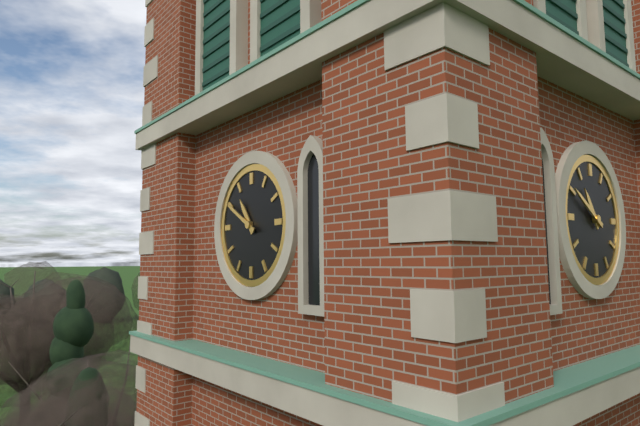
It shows **10:50**
